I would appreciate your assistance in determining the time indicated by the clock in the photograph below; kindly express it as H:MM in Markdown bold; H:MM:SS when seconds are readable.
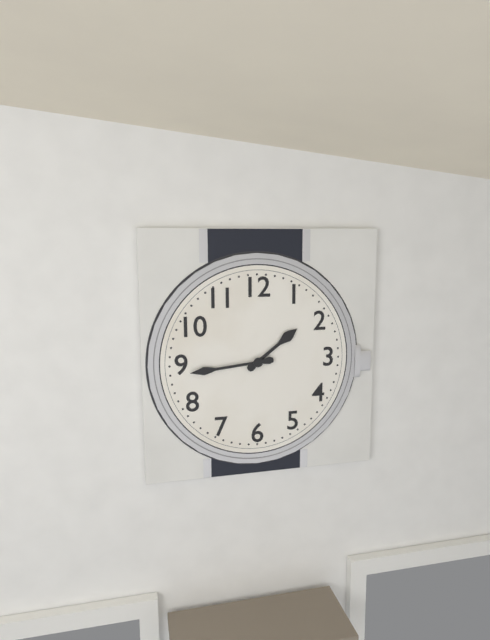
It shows **1:44**
